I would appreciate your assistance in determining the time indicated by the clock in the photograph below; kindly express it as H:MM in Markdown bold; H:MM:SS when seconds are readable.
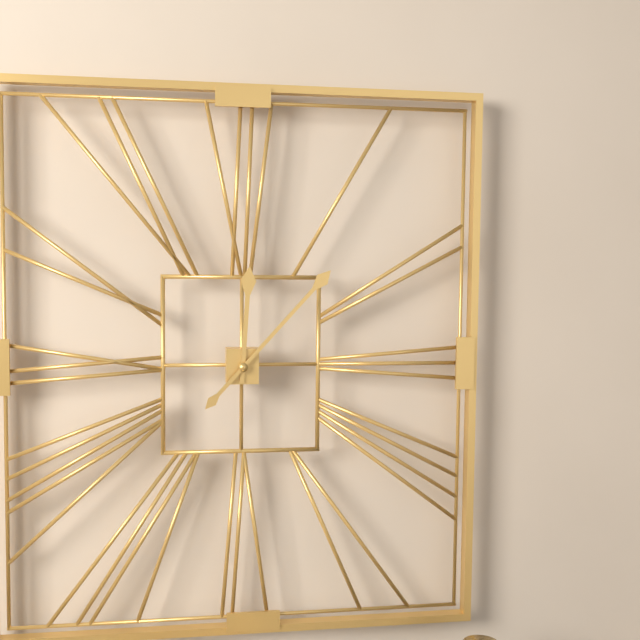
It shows **12:07**
